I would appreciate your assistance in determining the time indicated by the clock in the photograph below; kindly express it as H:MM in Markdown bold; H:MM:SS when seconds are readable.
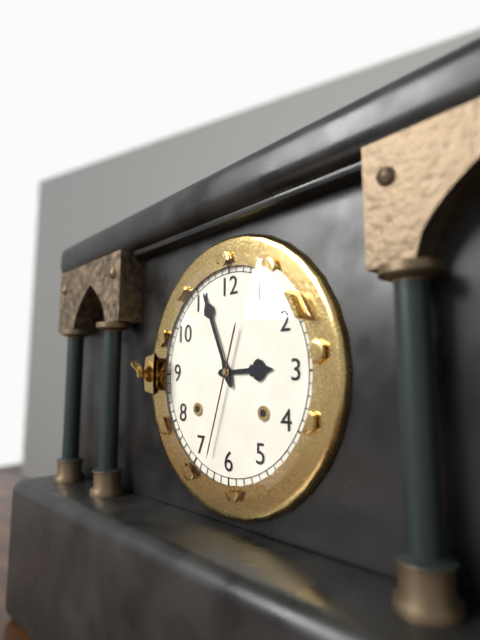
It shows **2:56:33**
